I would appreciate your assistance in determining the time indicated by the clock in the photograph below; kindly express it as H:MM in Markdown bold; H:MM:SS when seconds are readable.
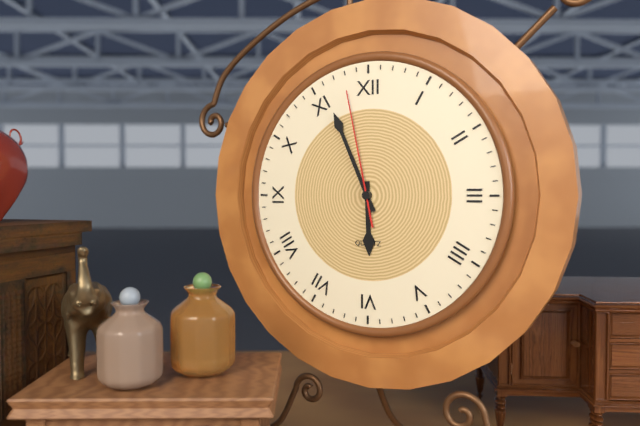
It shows **5:56:58**
